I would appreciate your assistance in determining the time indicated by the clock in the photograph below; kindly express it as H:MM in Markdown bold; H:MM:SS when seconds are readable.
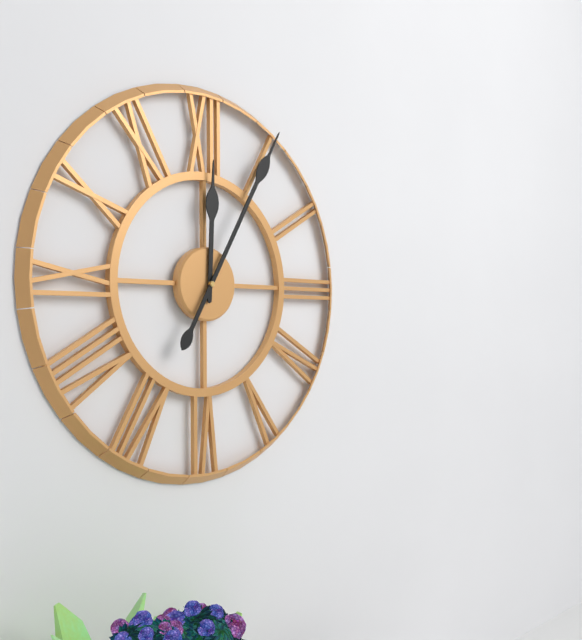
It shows **12:05**
